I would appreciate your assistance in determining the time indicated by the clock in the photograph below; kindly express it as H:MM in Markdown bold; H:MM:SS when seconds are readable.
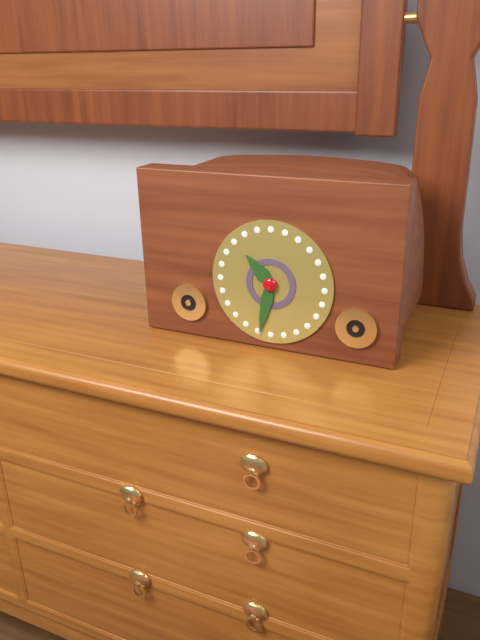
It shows **10:32**
